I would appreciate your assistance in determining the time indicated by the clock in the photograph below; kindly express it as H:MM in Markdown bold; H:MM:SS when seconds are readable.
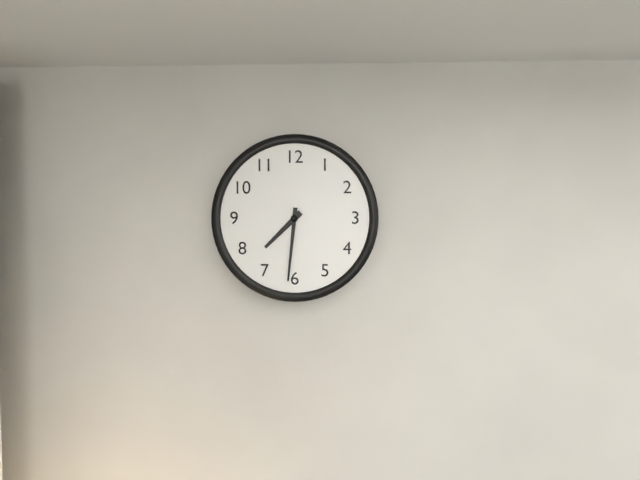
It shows **7:31**
